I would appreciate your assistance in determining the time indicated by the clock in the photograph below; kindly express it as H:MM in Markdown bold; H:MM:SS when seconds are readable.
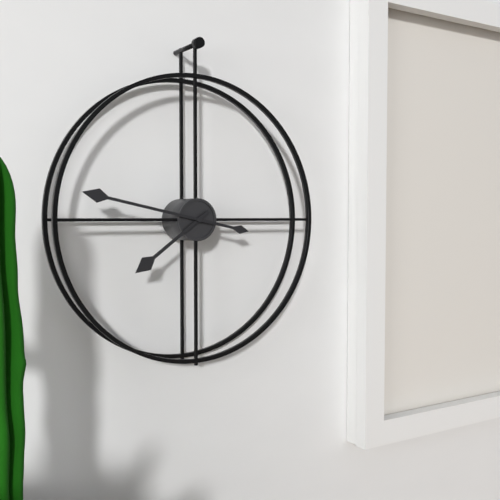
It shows **7:47**
